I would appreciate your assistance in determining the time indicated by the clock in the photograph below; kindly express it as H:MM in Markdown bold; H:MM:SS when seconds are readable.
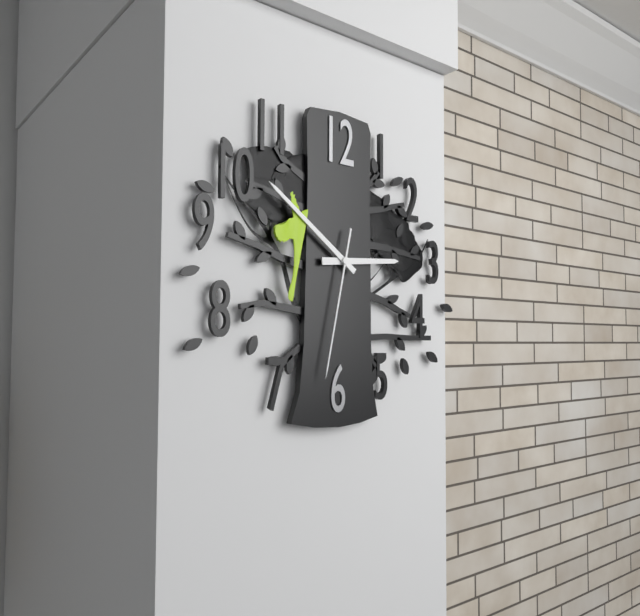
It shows **2:51:32**
